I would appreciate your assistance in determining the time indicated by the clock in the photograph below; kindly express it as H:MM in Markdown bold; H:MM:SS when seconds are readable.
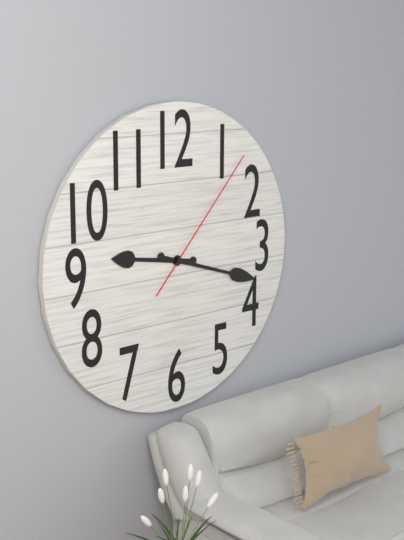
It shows **9:18:07**
